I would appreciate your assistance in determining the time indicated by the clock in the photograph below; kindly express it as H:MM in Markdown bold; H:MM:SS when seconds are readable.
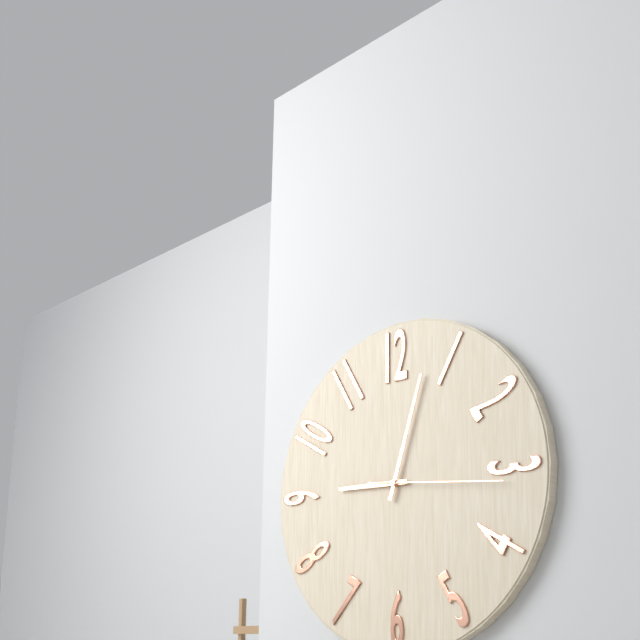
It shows **9:03:16**
